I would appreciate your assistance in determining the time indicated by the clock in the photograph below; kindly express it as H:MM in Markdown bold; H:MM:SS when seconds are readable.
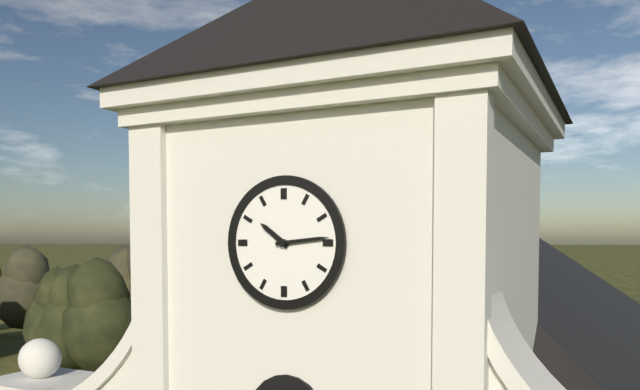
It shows **10:14**
